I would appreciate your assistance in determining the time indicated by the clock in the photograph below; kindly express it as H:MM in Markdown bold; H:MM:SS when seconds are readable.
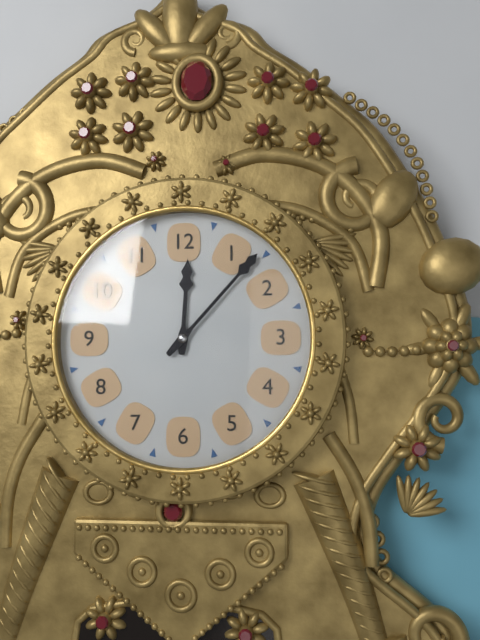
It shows **12:07**
